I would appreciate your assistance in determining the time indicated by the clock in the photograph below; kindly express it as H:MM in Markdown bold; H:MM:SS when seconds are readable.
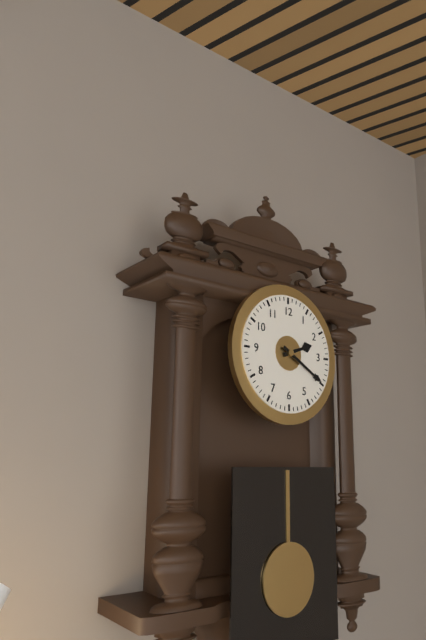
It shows **2:20**
